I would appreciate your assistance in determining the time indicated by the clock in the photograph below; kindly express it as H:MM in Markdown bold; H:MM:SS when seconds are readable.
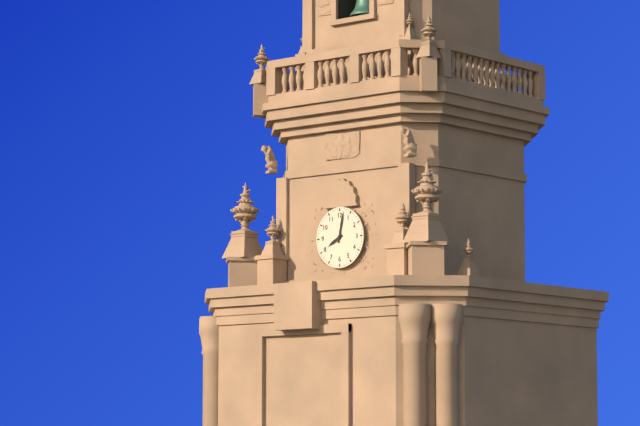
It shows **8:02**
